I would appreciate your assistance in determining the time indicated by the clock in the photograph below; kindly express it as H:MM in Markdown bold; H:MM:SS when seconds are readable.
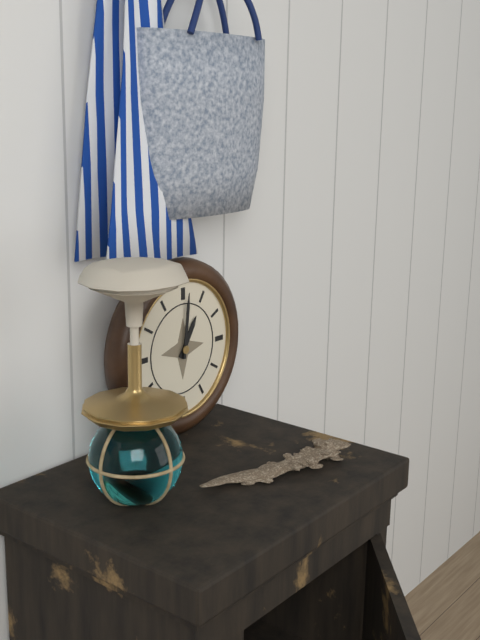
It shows **1:01**
